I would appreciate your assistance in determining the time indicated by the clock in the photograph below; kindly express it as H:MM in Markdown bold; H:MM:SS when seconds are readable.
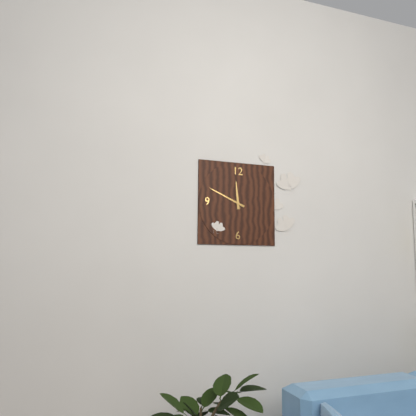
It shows **11:49**
